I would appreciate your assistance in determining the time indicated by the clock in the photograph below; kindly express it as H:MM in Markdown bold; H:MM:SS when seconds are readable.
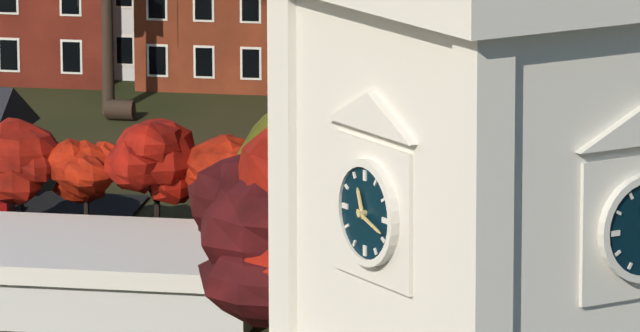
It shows **11:18**
